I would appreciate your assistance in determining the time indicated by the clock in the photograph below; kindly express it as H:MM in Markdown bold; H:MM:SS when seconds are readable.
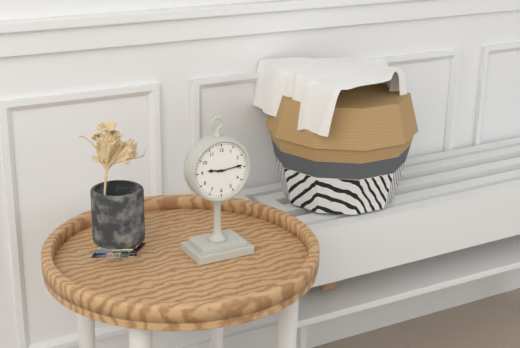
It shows **9:14**
